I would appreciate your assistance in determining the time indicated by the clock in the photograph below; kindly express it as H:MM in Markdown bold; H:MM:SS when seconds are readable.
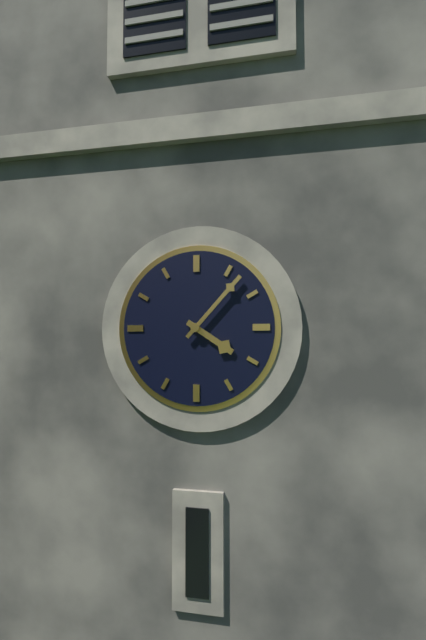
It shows **4:07**
